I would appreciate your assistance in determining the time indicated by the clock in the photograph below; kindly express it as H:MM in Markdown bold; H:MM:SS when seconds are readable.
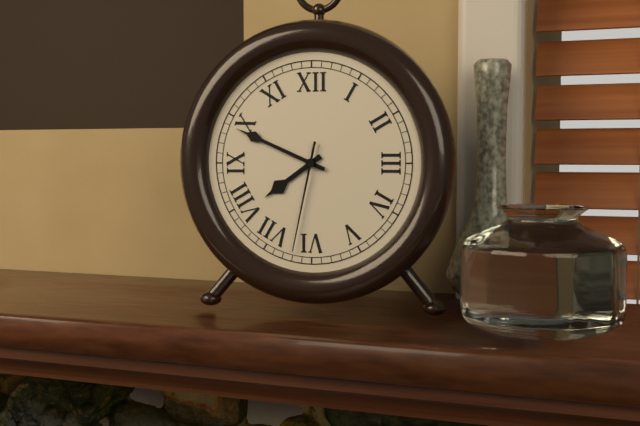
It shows **7:49:32**
